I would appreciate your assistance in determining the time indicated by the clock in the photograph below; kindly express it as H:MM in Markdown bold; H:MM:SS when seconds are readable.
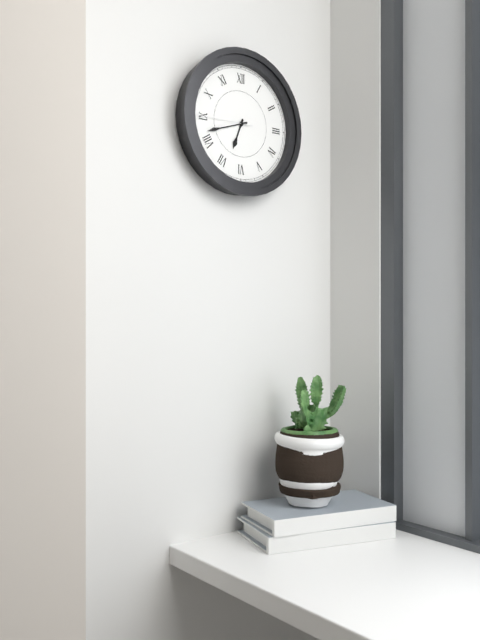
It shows **6:42:45**
